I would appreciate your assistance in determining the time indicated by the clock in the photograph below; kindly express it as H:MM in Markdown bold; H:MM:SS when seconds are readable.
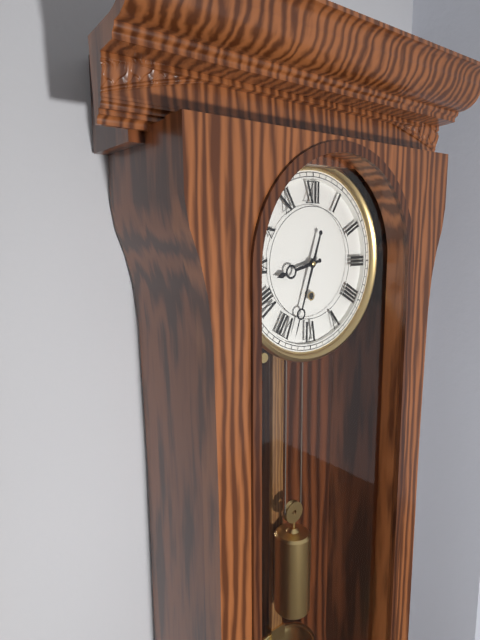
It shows **8:33**
